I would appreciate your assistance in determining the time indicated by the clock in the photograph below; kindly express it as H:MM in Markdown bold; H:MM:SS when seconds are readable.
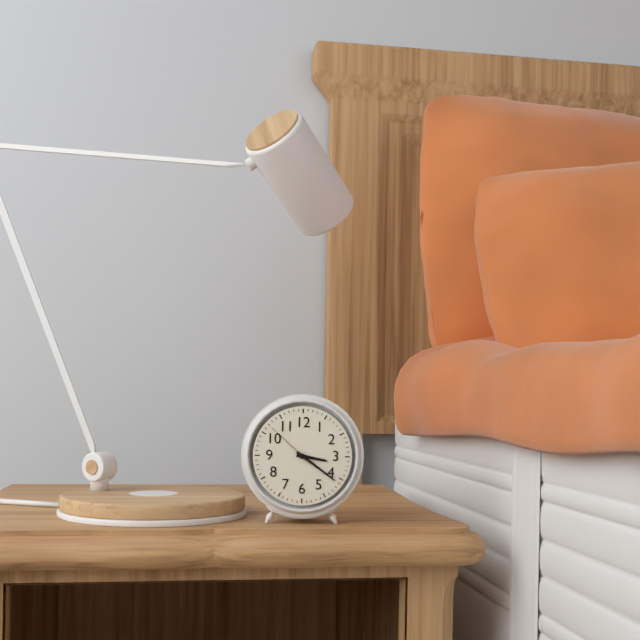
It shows **3:21:52**
